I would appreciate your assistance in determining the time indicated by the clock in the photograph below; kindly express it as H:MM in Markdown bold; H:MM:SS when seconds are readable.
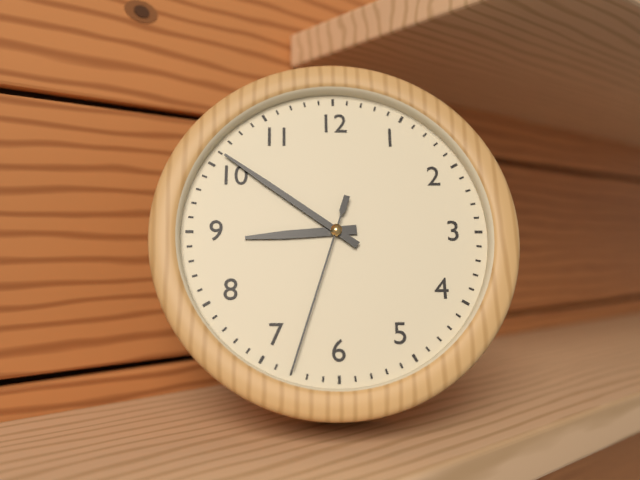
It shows **8:51:33**
